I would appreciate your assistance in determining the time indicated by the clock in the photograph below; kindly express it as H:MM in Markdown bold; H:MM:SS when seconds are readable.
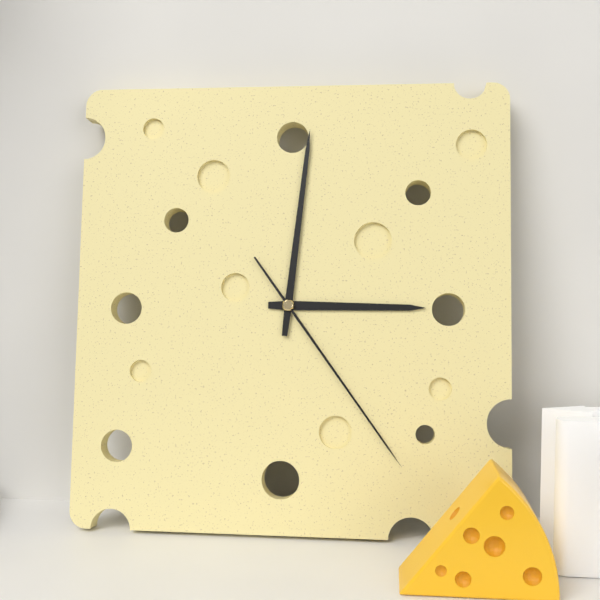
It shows **3:01:24**
